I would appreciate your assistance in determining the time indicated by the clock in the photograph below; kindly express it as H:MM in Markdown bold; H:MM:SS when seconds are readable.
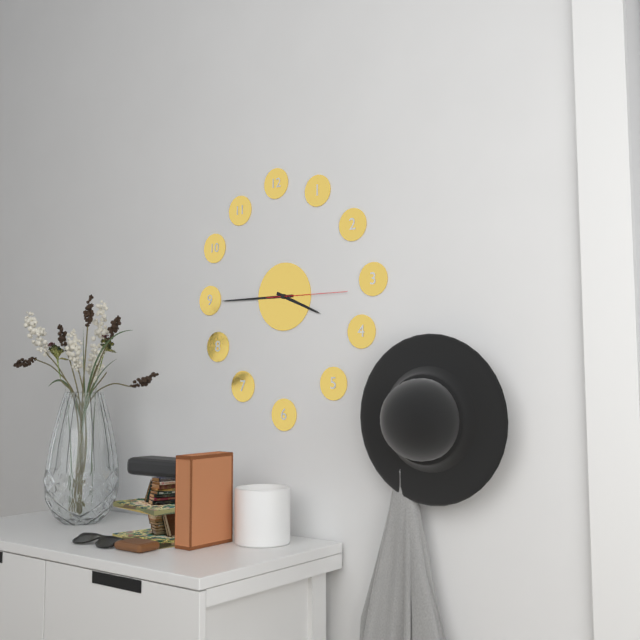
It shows **3:45:15**
